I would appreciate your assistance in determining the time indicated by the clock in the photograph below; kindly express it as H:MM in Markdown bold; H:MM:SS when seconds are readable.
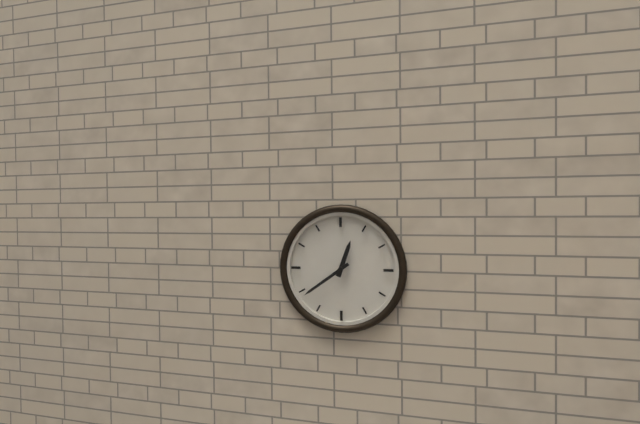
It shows **12:39**
